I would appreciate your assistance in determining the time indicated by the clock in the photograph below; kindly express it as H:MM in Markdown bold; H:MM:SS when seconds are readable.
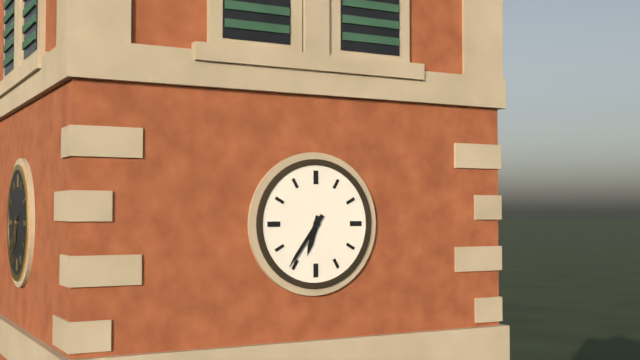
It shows **6:36**
